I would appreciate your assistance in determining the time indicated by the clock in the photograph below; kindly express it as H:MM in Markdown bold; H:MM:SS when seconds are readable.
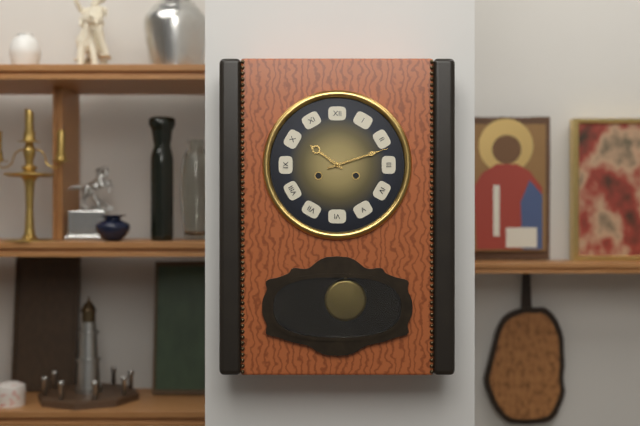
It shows **10:12**
